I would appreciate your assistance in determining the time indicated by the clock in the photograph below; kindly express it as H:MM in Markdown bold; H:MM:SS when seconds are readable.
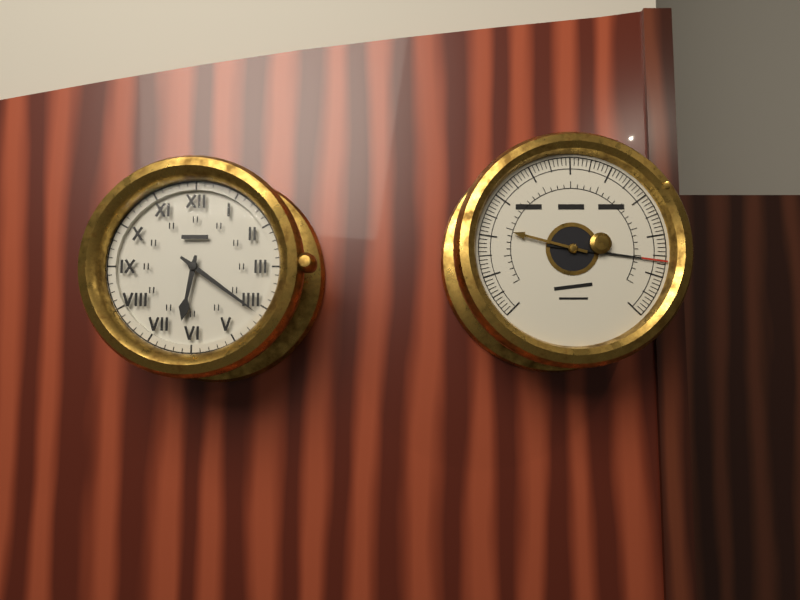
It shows **6:21**
